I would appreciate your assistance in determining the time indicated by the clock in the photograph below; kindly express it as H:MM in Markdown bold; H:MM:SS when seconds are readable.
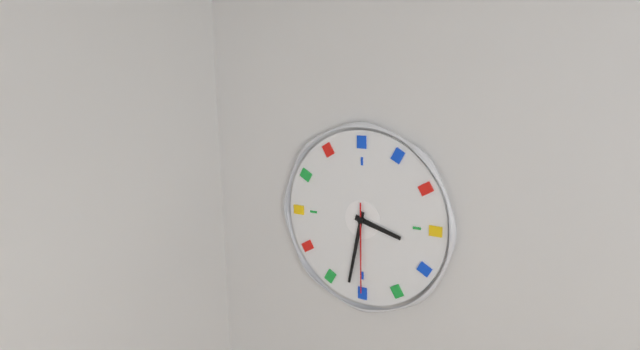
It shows **3:32:30**
